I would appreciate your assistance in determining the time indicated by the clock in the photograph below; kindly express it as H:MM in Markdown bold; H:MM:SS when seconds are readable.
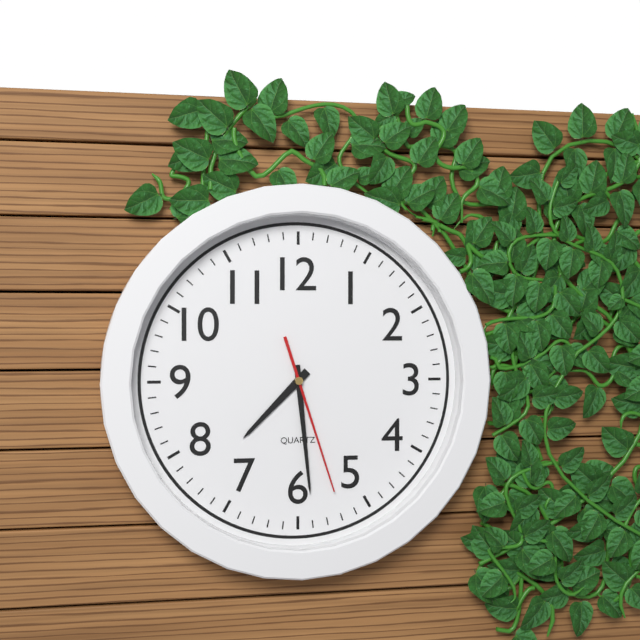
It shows **7:29:27**
